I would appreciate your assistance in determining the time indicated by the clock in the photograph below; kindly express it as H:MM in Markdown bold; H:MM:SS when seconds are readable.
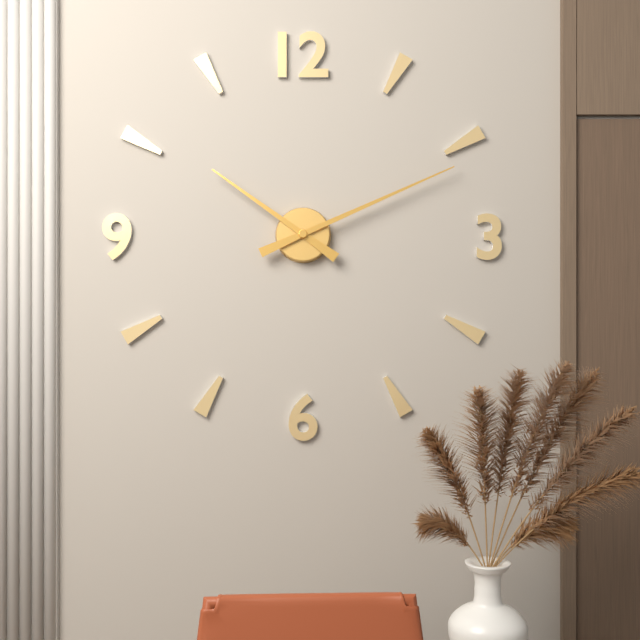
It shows **10:11**
